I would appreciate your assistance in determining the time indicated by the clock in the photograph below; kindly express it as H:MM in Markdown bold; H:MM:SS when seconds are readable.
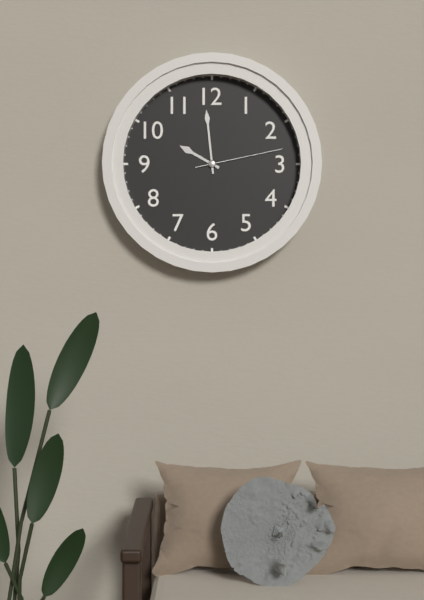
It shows **9:59:13**
